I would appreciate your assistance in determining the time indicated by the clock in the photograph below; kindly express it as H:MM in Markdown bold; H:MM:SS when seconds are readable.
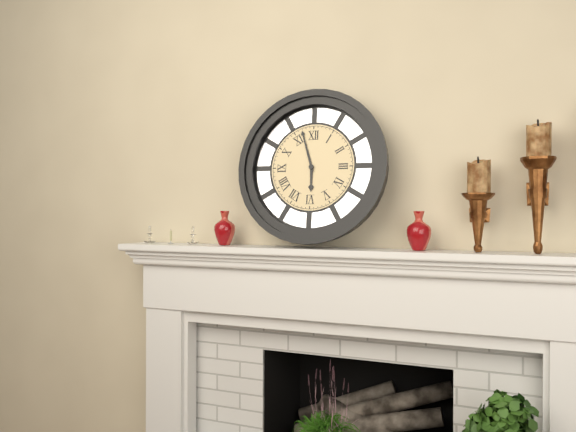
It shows **5:57**
